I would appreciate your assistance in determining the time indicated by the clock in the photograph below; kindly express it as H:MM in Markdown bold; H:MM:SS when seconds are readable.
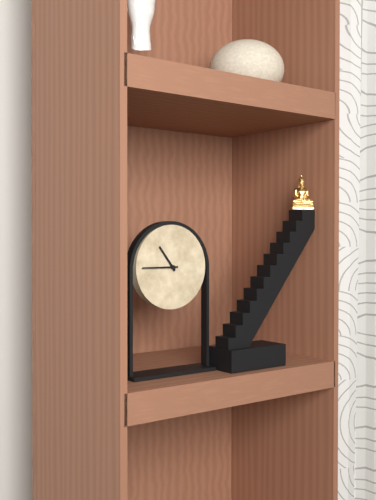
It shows **10:45**
